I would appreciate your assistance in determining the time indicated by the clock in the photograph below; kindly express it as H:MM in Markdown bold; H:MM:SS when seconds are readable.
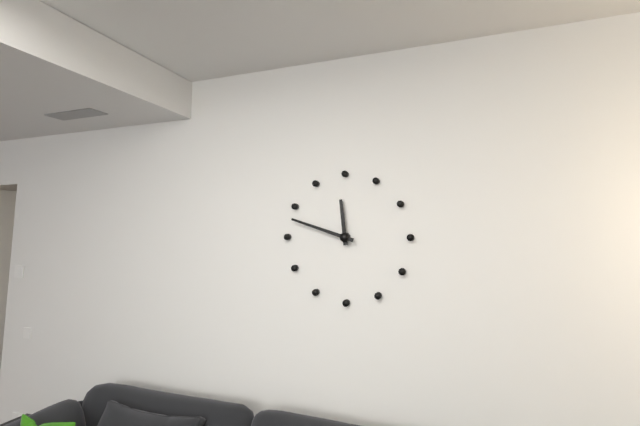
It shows **11:48**
